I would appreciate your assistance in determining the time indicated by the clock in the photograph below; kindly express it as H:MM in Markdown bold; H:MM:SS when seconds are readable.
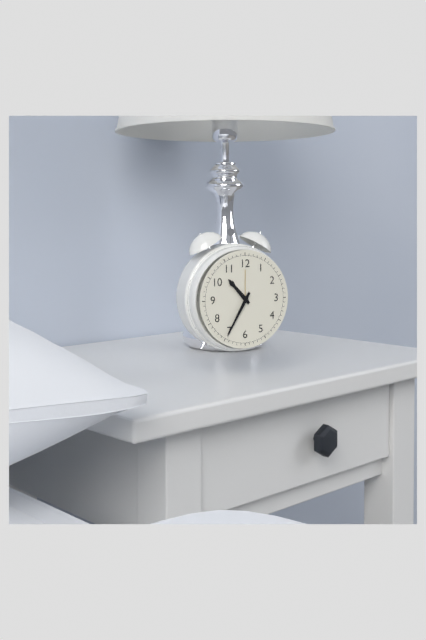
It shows **10:35**
